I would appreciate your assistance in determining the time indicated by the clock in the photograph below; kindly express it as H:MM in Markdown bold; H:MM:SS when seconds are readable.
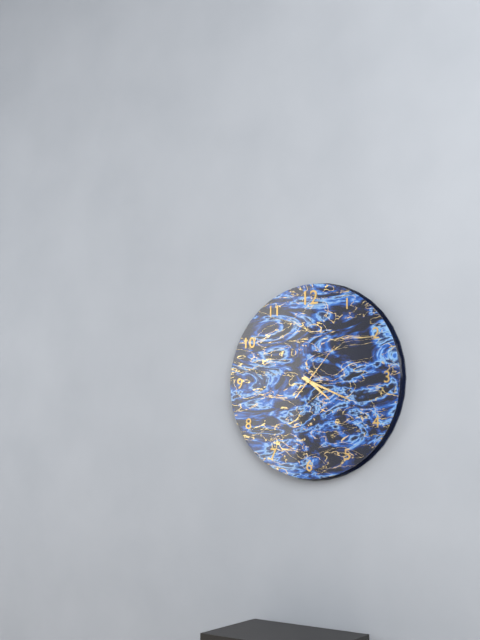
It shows **4:19:07**
